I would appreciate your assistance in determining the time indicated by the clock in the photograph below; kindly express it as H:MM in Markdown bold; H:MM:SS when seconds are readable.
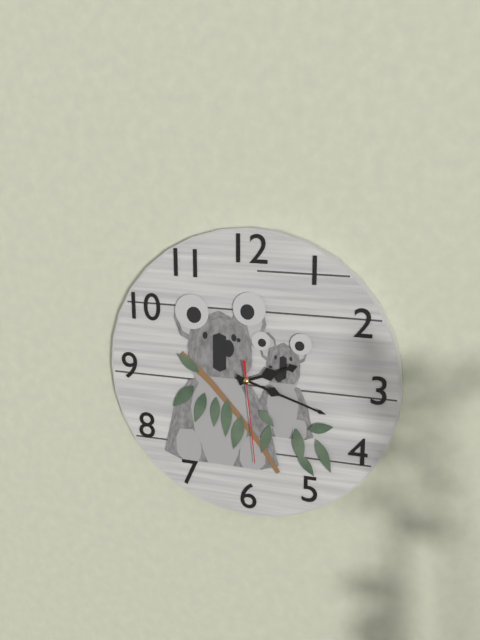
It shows **2:18:29**
